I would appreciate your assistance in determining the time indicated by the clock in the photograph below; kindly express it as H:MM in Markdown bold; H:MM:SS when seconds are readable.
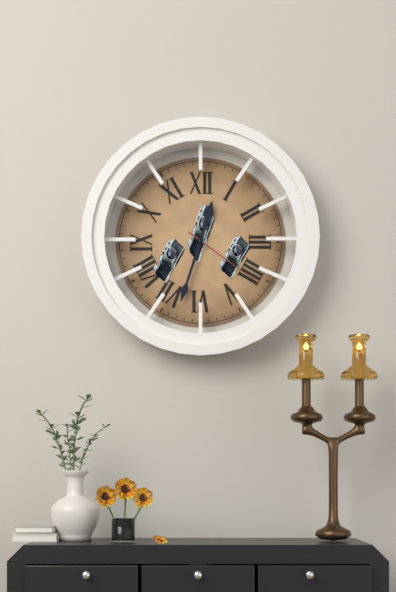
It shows **12:33:21**
